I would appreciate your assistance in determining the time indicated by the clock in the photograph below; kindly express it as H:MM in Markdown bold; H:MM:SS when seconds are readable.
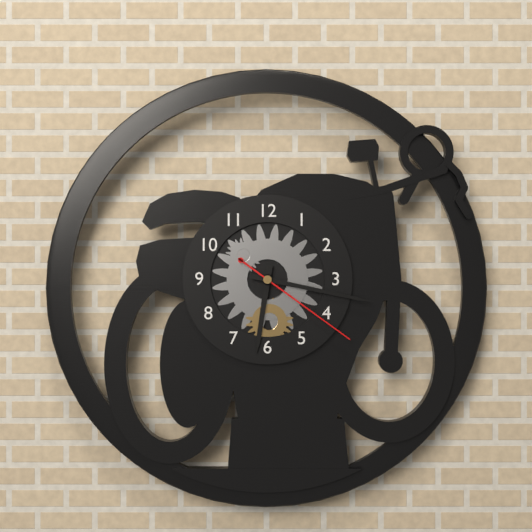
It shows **6:17:21**
